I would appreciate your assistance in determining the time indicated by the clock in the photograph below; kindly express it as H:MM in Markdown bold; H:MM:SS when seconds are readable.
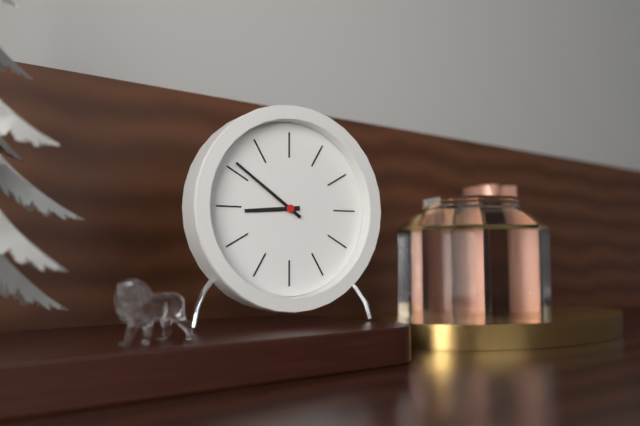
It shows **8:51**
